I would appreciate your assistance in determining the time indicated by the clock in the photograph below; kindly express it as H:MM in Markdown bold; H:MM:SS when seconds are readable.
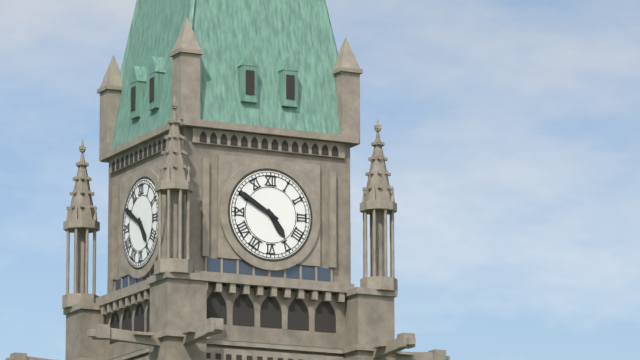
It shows **4:50**
